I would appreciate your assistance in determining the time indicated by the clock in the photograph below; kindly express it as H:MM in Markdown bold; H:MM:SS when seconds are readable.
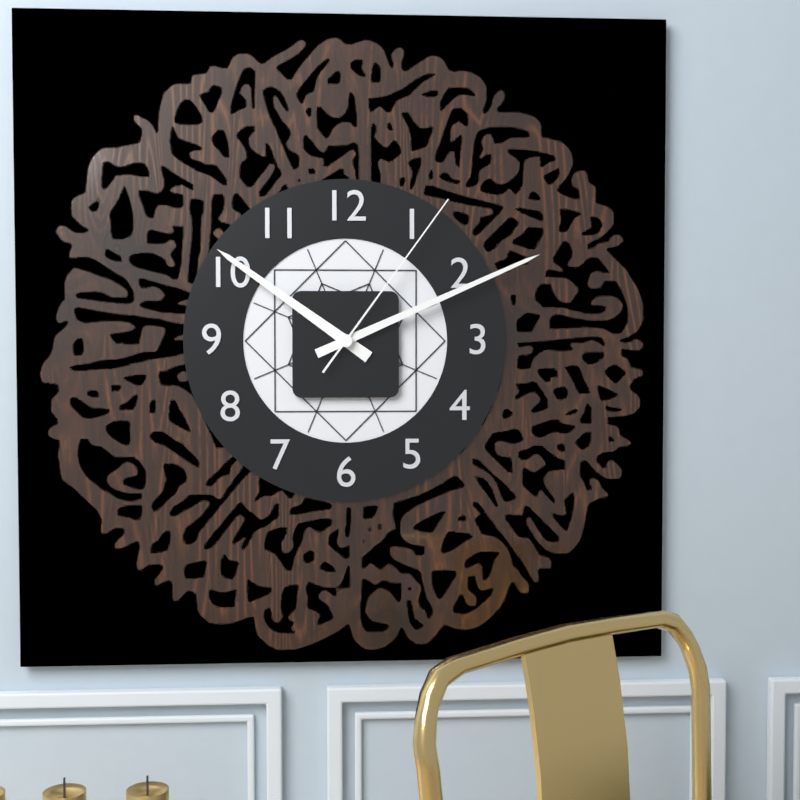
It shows **10:11:06**
